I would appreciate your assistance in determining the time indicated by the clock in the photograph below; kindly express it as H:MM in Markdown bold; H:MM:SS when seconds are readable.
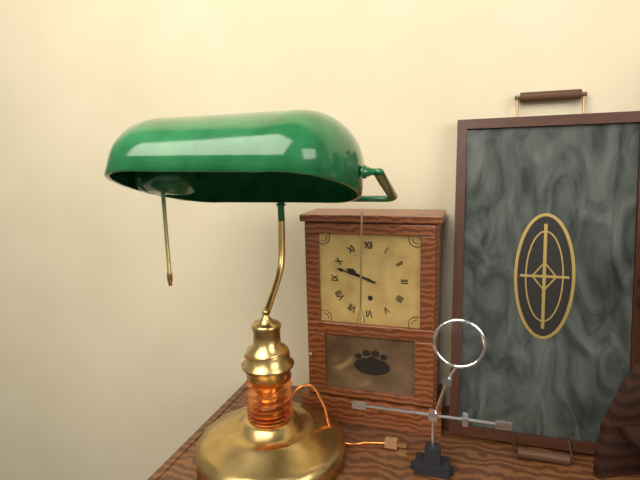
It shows **9:48**
